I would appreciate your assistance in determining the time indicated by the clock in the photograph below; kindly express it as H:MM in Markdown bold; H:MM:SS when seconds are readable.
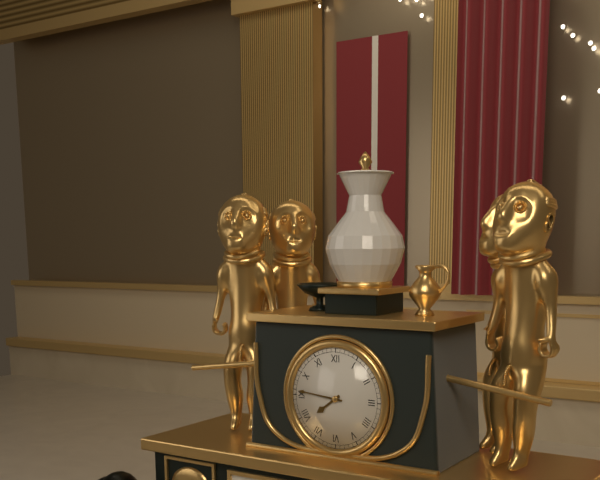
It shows **7:46**
